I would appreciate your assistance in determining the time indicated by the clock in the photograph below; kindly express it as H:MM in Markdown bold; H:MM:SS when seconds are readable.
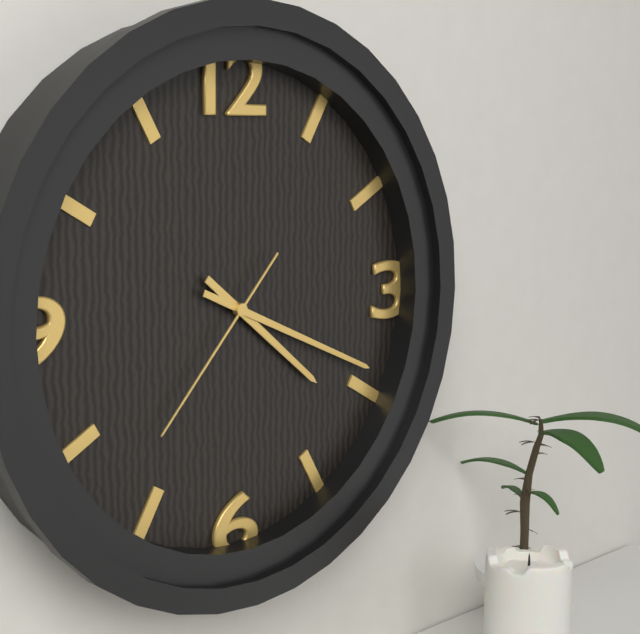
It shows **4:19:37**
